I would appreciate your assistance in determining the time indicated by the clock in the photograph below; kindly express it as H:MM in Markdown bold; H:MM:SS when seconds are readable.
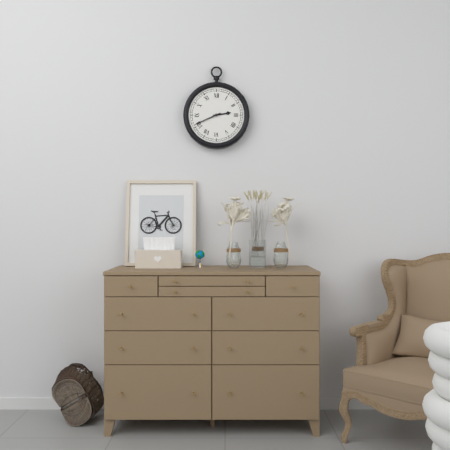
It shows **2:41**
